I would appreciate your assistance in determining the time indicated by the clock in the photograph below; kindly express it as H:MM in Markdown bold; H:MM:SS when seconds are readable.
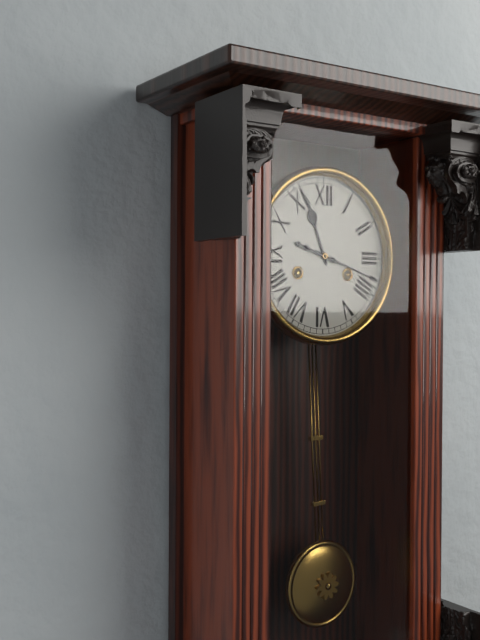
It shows **11:18**
